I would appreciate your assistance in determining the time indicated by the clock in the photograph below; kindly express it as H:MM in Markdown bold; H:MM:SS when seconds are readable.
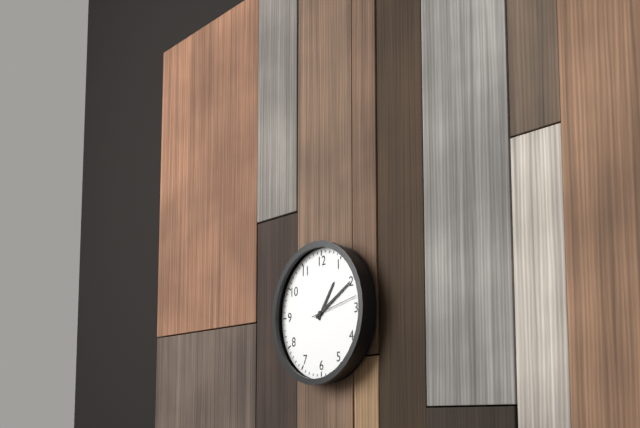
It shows **1:10:13**
